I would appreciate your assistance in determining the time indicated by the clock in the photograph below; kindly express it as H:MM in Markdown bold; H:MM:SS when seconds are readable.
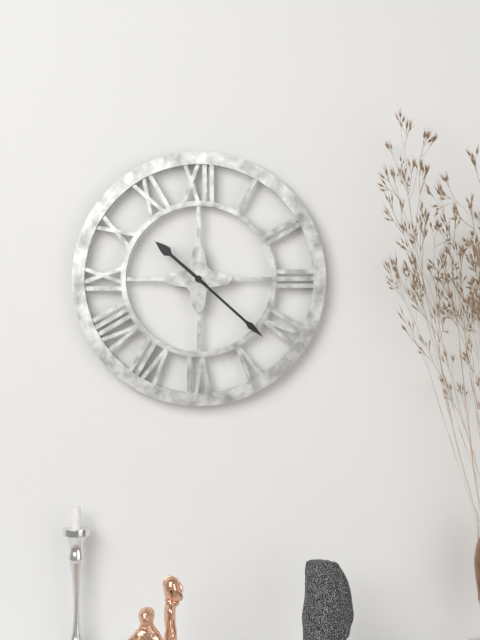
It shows **10:22**
